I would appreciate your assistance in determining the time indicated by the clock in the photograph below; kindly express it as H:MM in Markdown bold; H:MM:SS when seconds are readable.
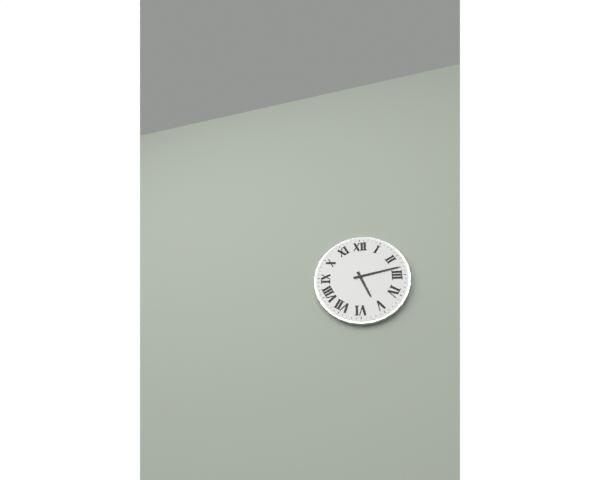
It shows **5:13**
